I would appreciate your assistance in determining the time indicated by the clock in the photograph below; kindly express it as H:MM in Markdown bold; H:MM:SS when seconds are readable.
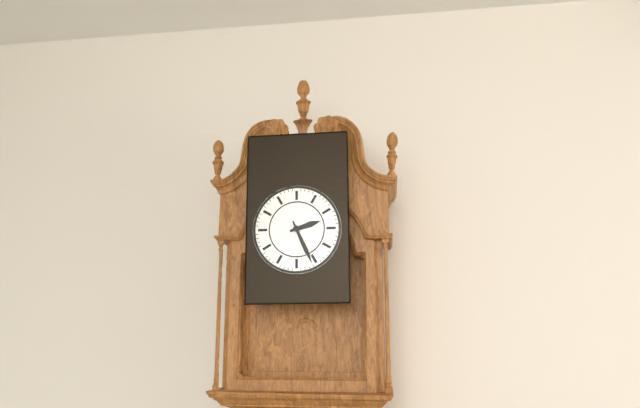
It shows **2:26**
